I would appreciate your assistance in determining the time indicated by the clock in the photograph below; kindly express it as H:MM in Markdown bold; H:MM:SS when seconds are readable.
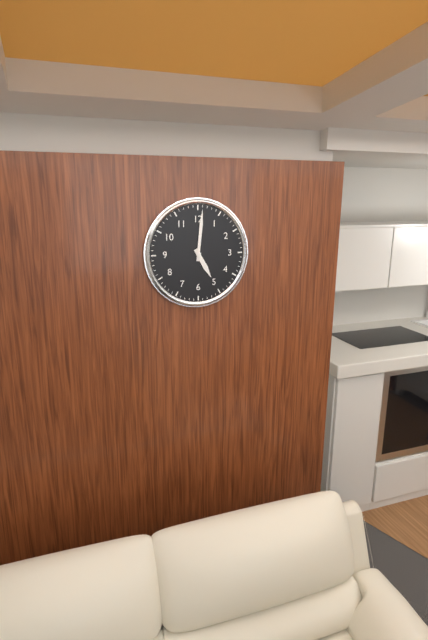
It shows **5:01**
